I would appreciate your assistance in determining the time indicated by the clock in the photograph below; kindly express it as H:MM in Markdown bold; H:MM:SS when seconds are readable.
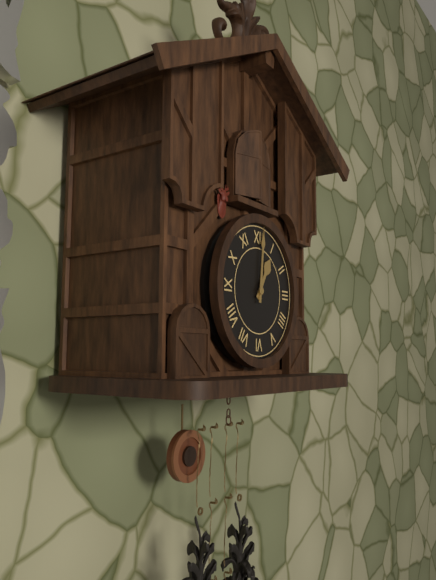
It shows **1:01**
